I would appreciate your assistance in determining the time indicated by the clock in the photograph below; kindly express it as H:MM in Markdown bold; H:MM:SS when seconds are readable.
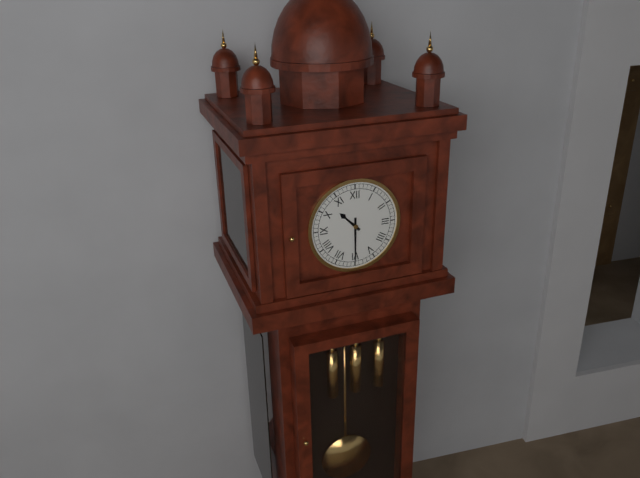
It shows **10:30**
